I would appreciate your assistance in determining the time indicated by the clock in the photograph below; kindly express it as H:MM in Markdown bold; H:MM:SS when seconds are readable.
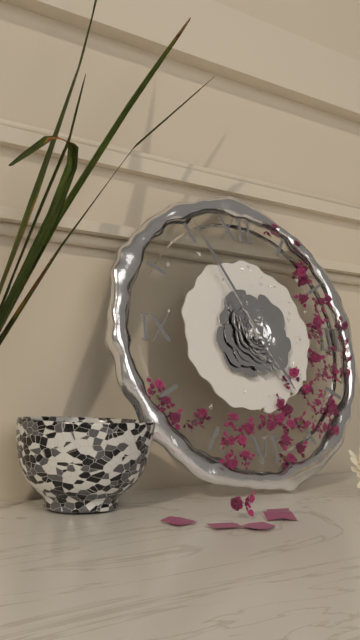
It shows **4:55**
